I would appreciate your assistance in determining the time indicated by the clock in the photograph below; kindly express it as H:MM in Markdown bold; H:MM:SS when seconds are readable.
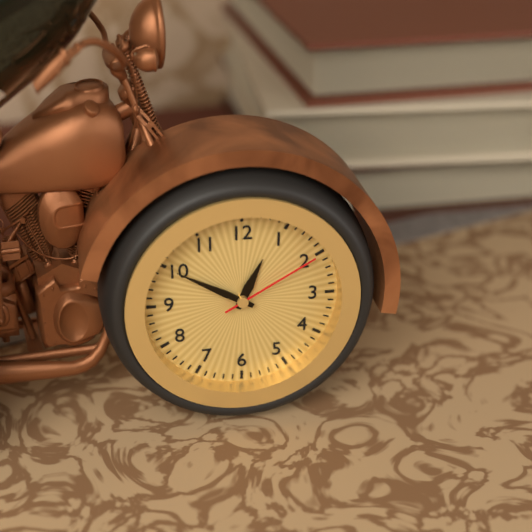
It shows **12:50:10**
